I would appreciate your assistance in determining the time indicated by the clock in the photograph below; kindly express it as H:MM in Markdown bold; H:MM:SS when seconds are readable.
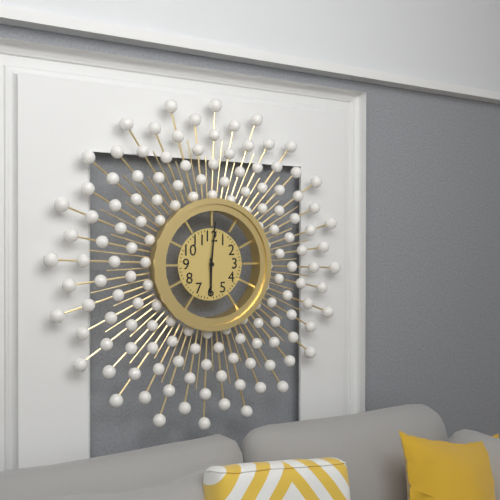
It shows **6:01**
